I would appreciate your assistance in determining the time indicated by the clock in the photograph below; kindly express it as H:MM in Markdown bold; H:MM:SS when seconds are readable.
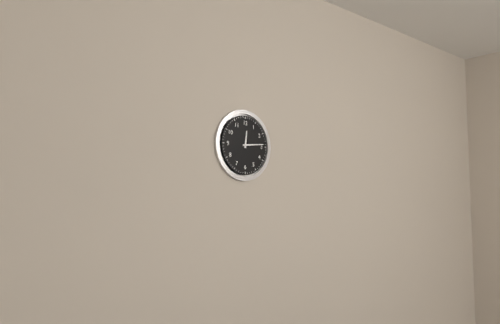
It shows **12:14**
